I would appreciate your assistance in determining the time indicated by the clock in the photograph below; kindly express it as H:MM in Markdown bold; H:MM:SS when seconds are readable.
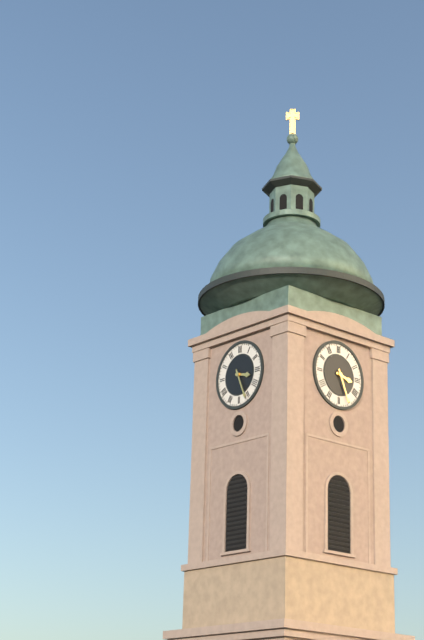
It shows **3:26**
